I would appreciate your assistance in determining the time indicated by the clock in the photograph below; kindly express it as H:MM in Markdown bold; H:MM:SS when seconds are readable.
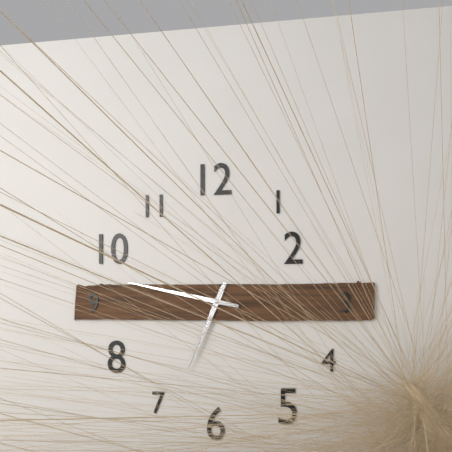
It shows **6:47**
